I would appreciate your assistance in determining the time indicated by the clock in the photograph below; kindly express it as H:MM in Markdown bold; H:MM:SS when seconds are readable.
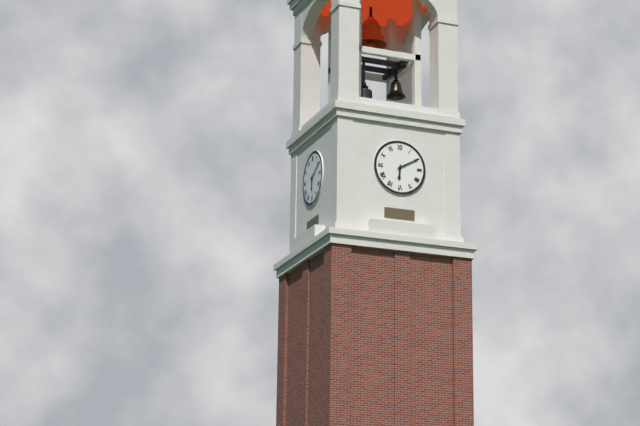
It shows **6:10**
